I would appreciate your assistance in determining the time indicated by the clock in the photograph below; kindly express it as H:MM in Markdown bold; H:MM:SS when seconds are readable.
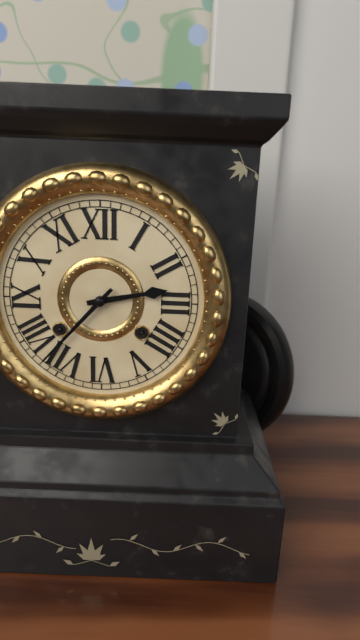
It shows **2:37**
